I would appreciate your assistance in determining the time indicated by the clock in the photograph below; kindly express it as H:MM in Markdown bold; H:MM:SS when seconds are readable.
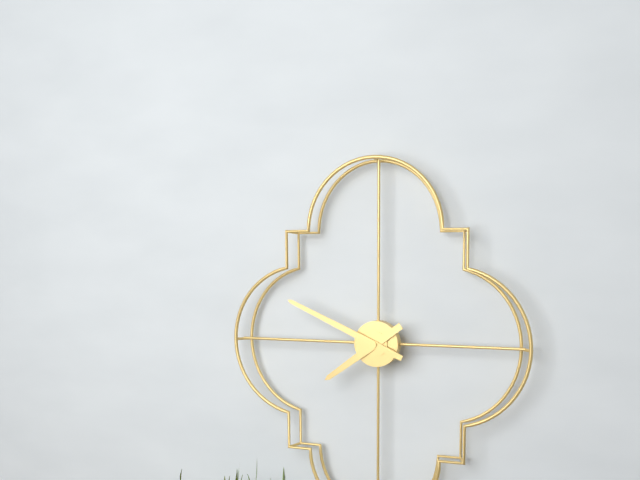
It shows **7:49**
